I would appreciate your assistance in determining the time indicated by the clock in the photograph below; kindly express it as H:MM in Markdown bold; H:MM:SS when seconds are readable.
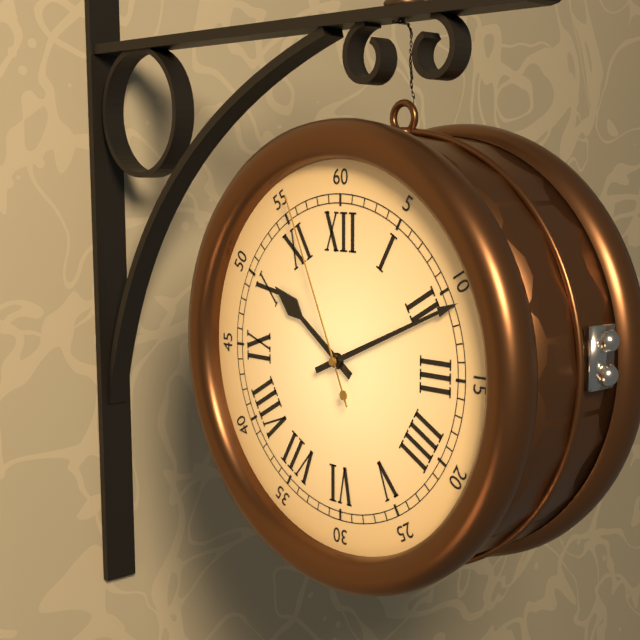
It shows **10:11:56**
